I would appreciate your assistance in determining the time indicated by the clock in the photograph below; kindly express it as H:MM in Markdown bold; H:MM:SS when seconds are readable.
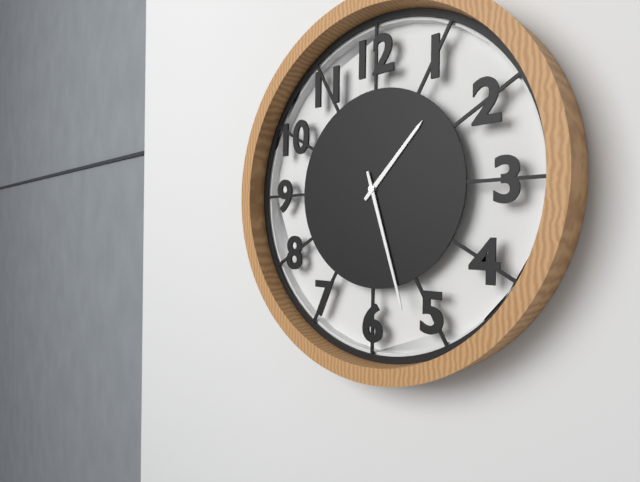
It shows **1:27**
